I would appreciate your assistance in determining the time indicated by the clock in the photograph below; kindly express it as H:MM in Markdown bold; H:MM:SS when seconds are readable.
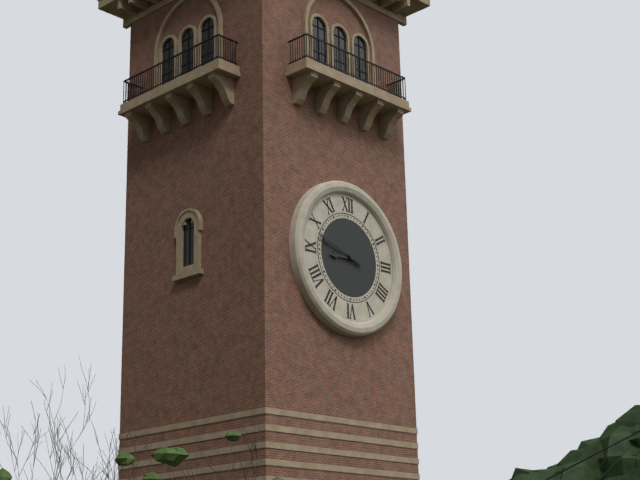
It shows **8:48**
